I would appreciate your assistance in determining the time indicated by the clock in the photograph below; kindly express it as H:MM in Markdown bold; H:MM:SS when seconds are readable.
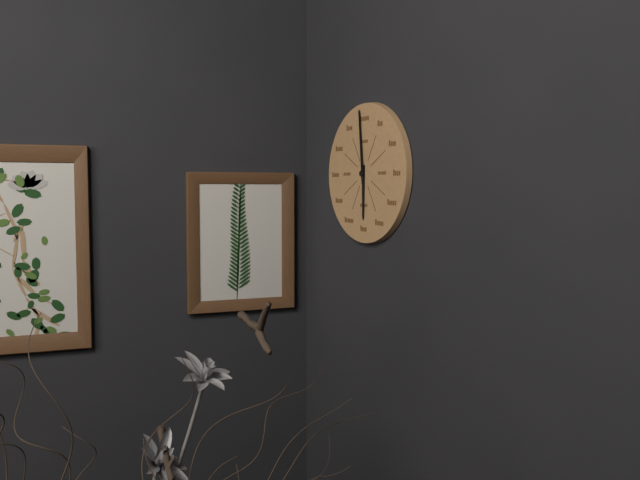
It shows **5:59**
